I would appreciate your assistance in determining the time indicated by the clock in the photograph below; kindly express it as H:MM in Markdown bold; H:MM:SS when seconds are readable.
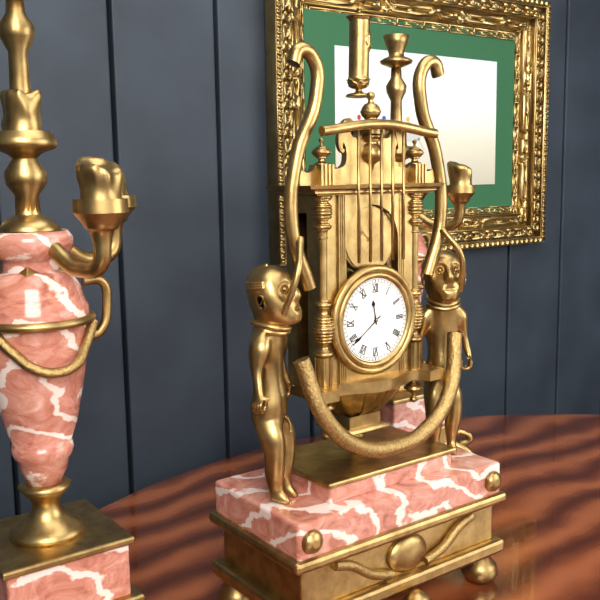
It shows **11:39**
